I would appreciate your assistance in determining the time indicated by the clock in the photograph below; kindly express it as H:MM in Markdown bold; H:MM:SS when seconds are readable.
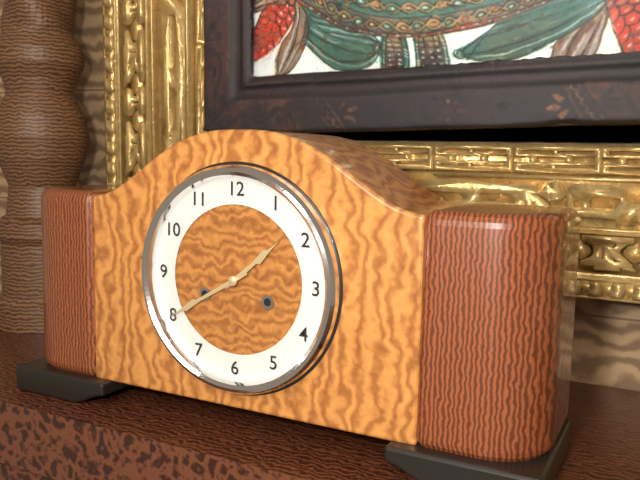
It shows **1:40**
